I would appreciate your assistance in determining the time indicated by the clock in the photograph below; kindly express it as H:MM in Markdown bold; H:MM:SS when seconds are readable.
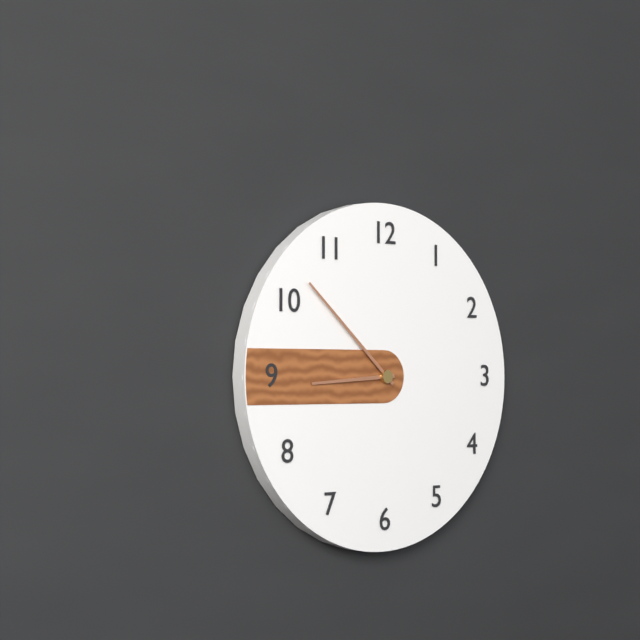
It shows **8:52**
